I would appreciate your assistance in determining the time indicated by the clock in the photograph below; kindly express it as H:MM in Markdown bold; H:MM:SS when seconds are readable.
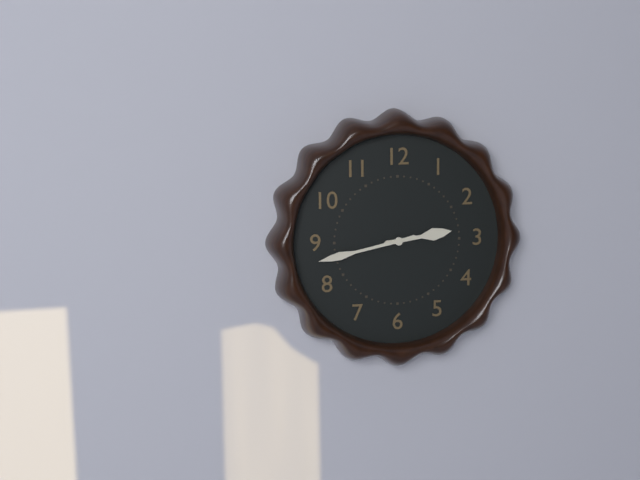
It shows **2:43**
